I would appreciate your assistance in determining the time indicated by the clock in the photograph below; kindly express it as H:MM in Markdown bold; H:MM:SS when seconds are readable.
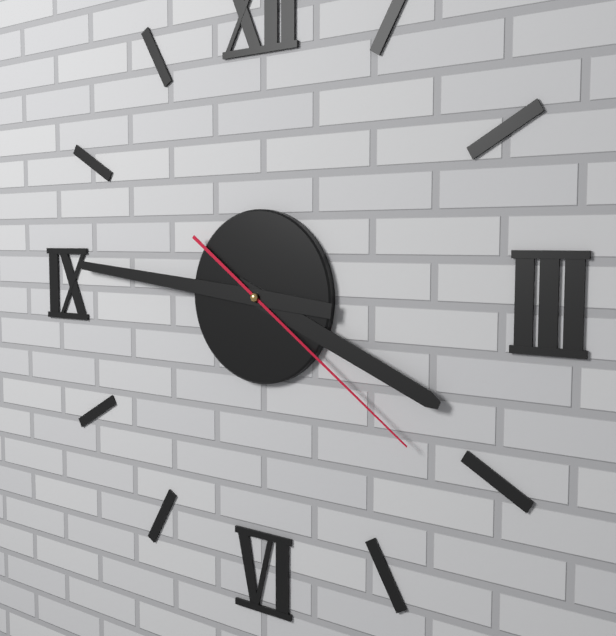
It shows **3:46:21**
